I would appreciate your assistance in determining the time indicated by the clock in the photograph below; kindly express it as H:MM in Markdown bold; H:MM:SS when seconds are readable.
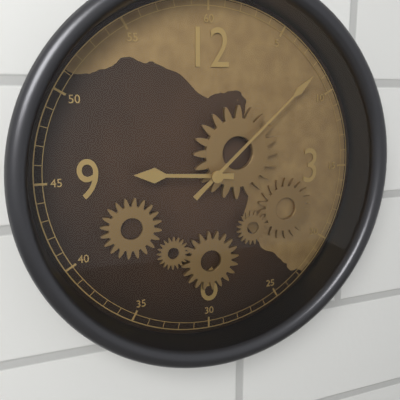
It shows **9:08**
